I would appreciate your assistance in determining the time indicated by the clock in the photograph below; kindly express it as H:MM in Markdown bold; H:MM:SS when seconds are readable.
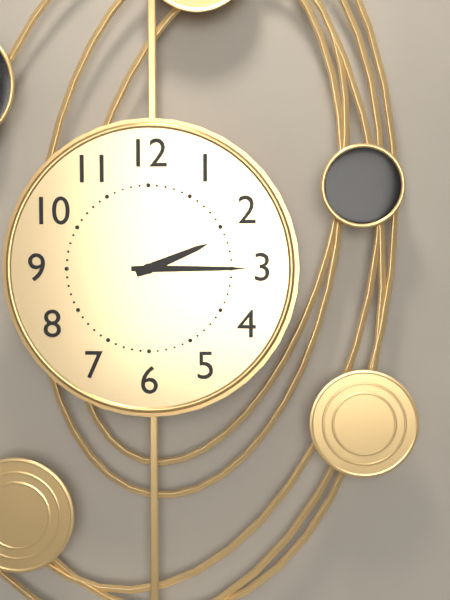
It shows **2:15**
